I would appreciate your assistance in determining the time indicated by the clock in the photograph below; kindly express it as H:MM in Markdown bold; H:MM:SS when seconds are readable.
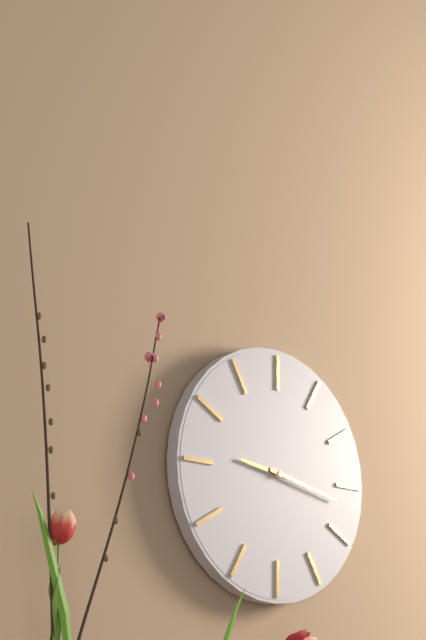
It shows **9:17**
